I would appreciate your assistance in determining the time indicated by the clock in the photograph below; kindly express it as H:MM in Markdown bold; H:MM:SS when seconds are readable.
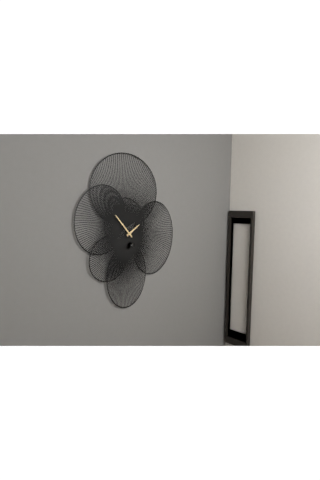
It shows **1:53**
